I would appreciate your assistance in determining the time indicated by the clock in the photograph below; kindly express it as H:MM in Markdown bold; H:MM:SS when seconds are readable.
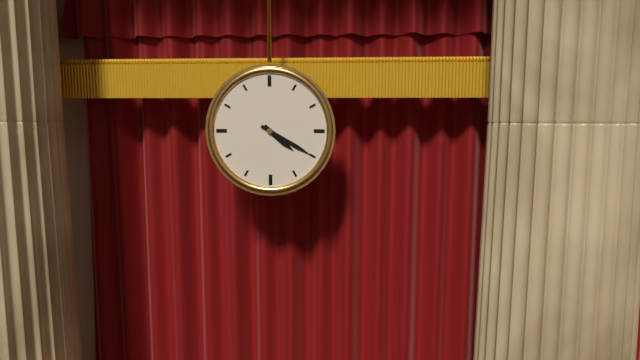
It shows **4:20**
